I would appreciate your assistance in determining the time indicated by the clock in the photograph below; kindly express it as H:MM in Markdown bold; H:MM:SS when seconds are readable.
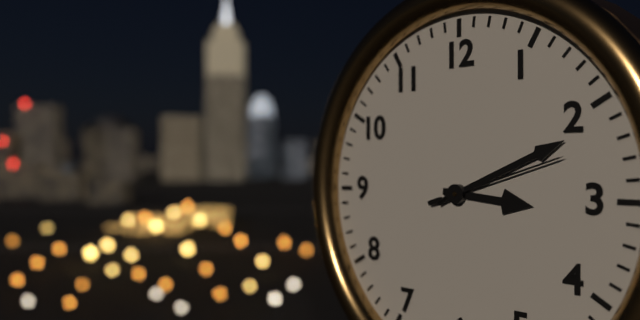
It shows **3:11:12**
